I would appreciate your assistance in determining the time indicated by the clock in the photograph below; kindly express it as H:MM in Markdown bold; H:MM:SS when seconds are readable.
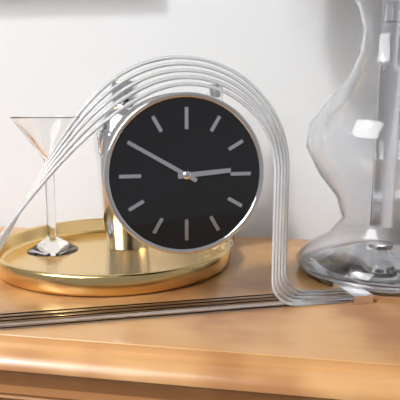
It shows **2:50**
